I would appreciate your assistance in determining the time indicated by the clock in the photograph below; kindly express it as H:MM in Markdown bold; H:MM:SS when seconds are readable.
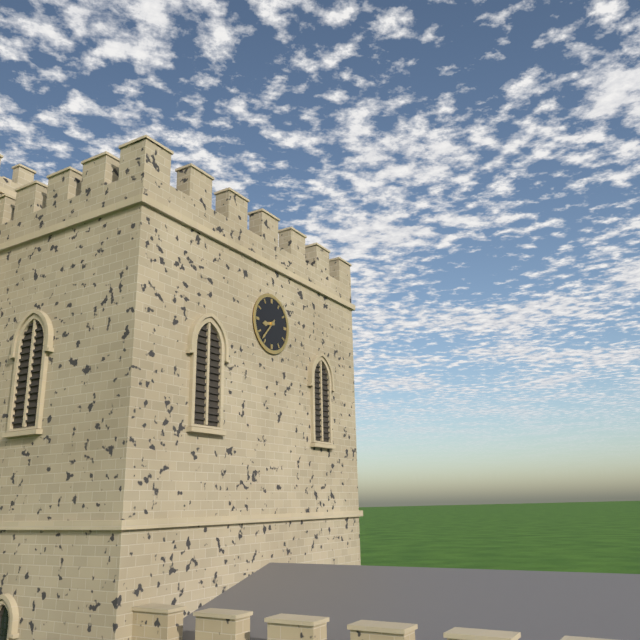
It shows **8:37**
